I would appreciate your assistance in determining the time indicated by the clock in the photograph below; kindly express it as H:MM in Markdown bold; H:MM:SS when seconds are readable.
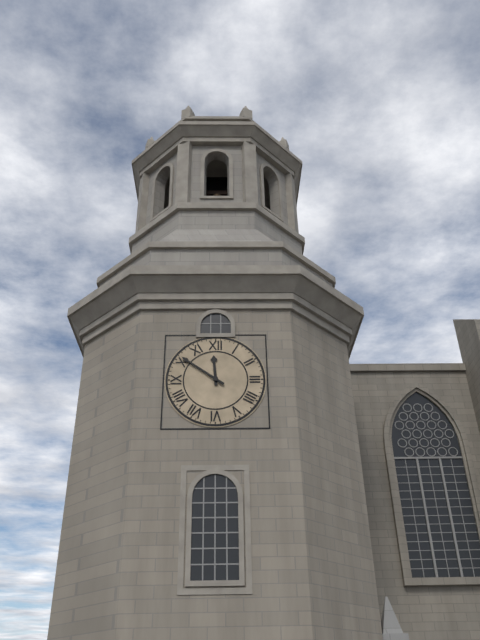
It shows **11:51**
